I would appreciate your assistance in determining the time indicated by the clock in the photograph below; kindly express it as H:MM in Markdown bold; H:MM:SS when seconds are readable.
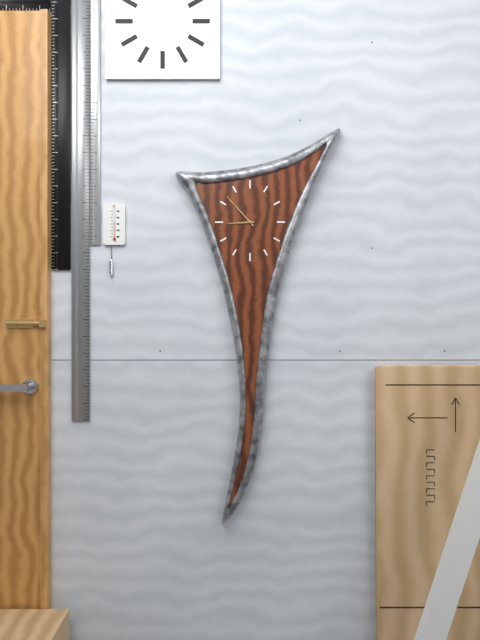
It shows **8:53**
